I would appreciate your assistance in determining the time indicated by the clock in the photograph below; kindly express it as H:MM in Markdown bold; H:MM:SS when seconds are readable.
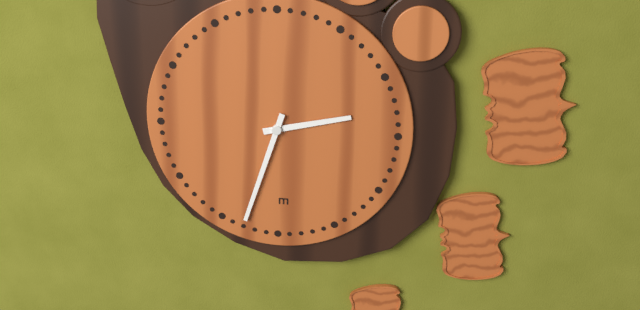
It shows **2:33**
